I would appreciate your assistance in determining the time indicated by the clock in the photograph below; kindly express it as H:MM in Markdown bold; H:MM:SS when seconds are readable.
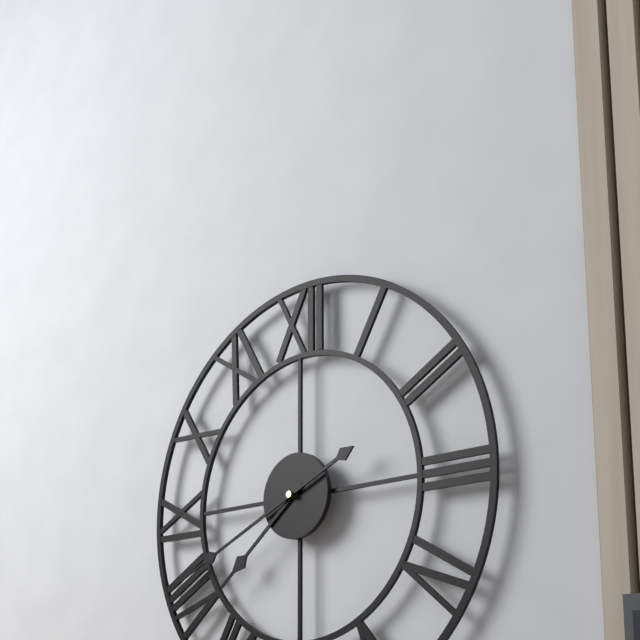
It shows **7:41**
